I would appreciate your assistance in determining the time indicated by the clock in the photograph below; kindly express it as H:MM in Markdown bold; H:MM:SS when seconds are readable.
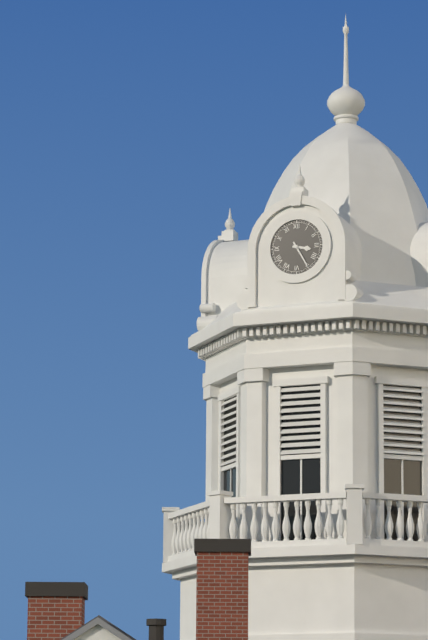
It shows **3:25**
